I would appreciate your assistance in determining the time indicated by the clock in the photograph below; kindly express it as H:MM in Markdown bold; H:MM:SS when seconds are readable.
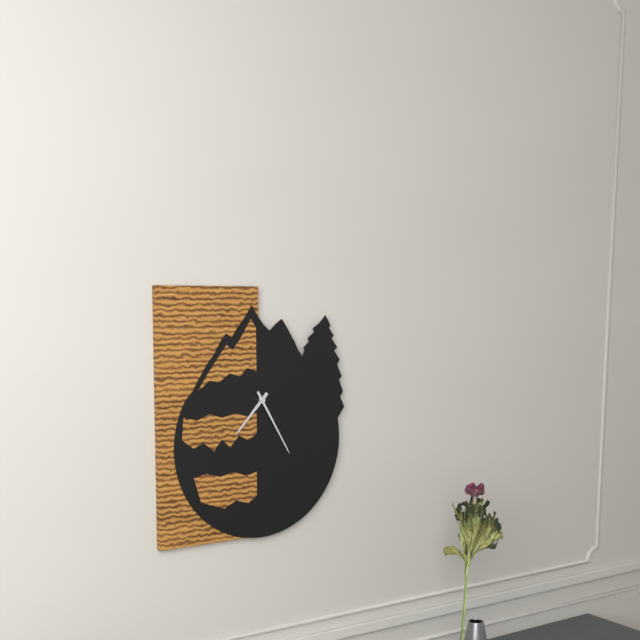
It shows **7:25**
